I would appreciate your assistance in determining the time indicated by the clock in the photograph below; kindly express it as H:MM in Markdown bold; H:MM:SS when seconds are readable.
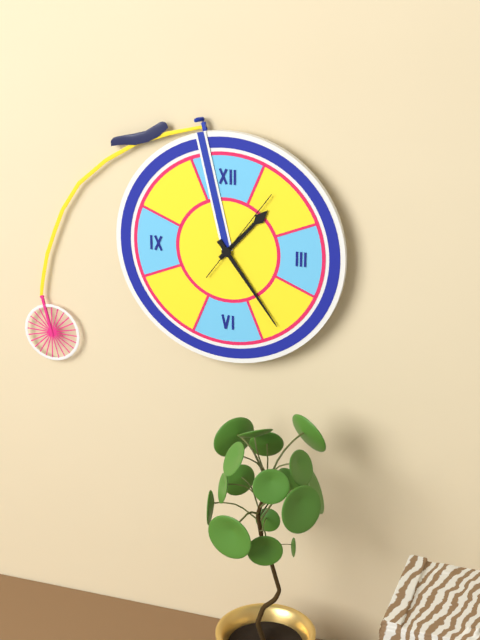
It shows **1:24:06**
